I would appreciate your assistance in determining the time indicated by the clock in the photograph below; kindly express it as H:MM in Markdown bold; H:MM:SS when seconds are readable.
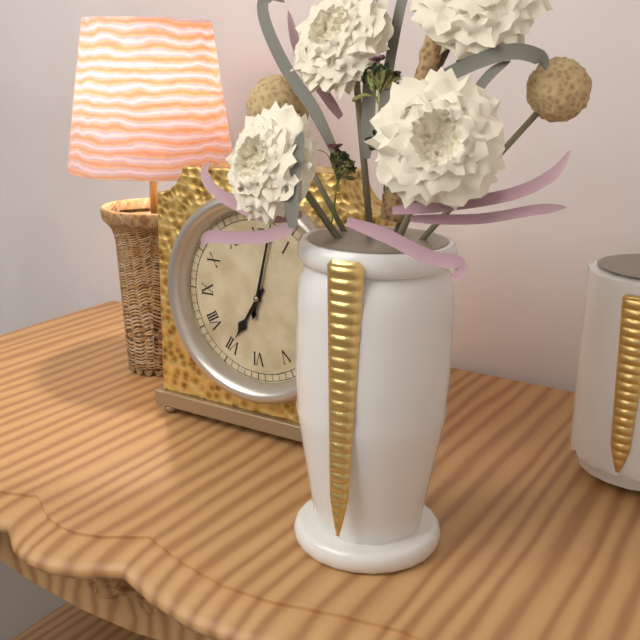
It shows **7:02**
